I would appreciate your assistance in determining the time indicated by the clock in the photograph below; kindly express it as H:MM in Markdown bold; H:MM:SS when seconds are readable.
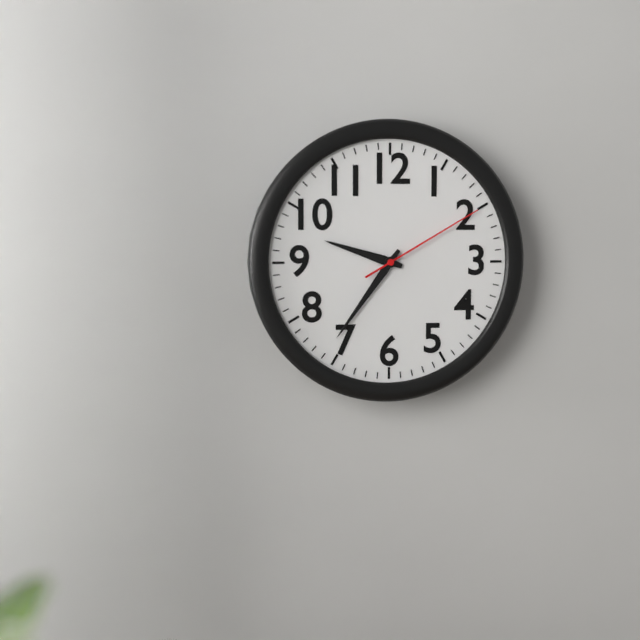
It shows **9:36:10**
